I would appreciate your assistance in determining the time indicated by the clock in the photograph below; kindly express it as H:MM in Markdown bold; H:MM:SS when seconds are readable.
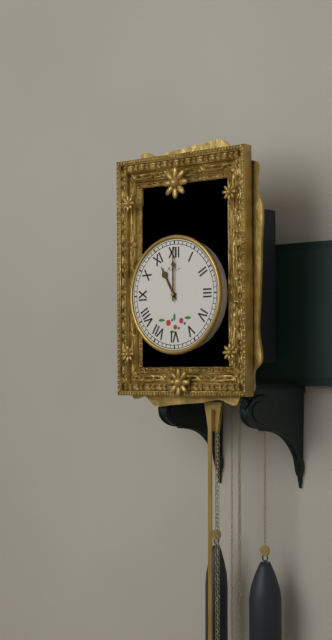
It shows **11:00**
